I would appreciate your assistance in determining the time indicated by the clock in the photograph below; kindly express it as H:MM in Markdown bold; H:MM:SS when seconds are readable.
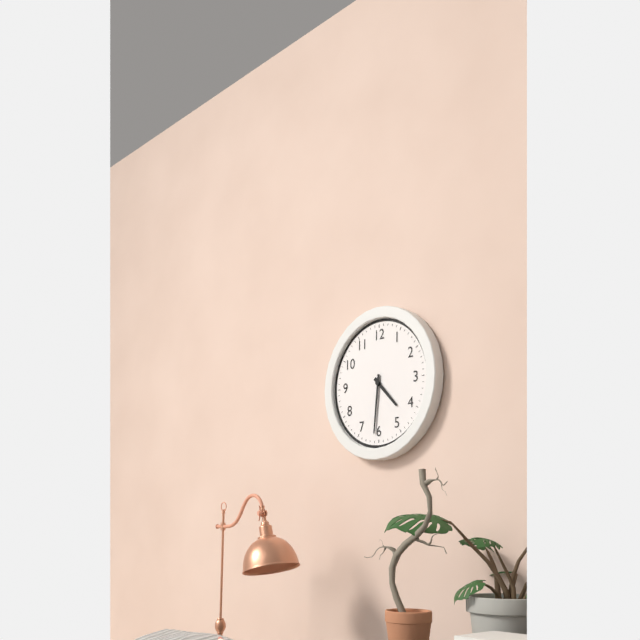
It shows **4:31**
